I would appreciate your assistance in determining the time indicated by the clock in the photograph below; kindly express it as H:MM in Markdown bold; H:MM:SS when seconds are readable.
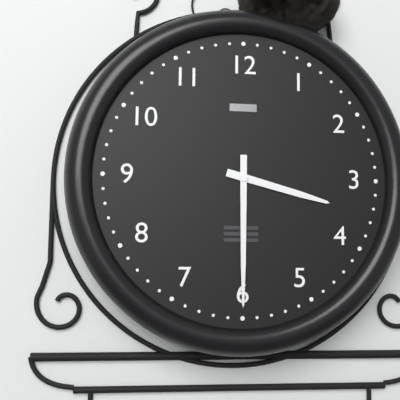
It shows **3:30**
